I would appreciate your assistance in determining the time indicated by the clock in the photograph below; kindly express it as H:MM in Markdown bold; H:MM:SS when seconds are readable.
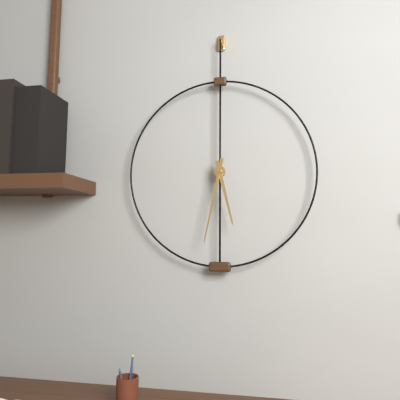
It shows **5:32**
